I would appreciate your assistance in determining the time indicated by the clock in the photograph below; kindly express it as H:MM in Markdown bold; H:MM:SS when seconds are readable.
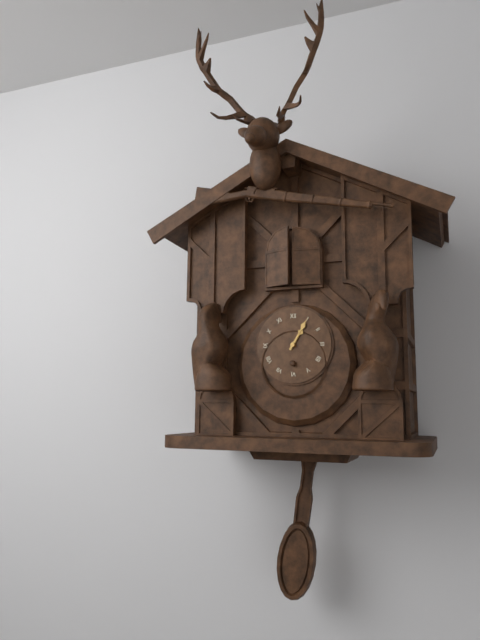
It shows **1:05**
